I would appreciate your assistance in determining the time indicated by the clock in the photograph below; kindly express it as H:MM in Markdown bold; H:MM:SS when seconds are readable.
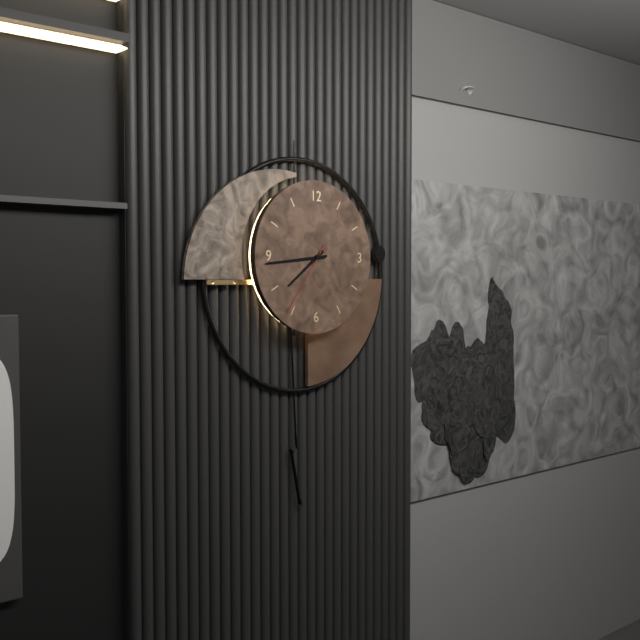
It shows **7:44:36**
